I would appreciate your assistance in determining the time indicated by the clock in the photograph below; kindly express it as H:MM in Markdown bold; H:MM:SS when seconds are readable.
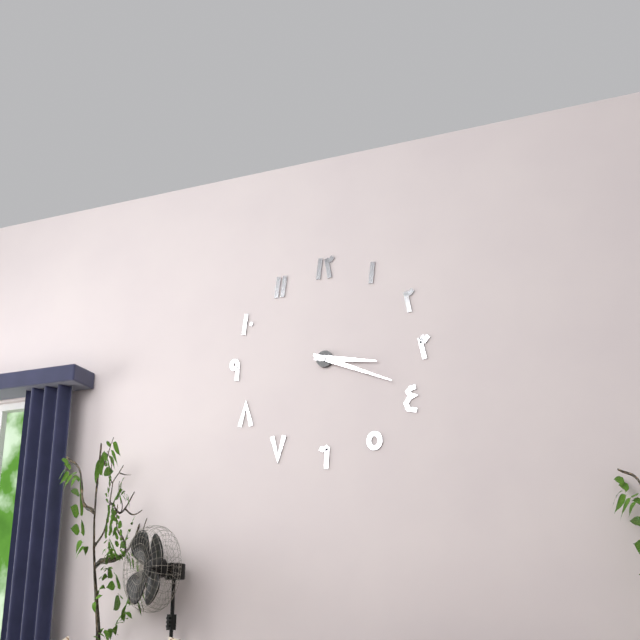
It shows **3:19**
